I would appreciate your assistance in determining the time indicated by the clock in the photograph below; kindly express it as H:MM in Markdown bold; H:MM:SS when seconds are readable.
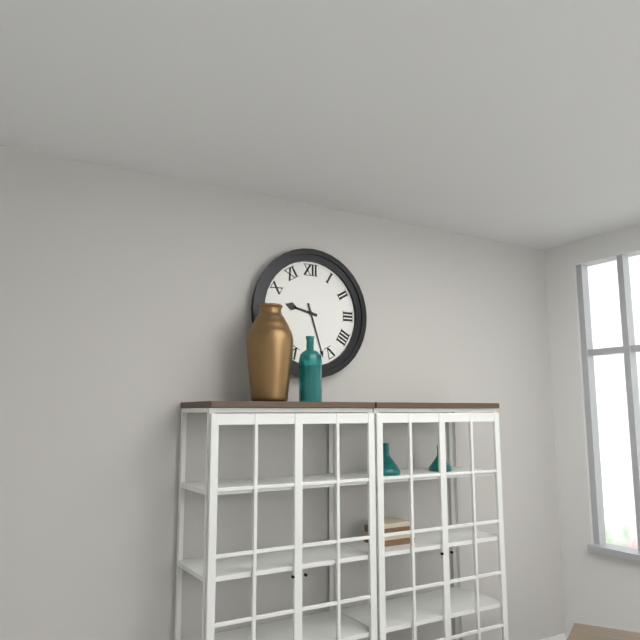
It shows **9:27**
